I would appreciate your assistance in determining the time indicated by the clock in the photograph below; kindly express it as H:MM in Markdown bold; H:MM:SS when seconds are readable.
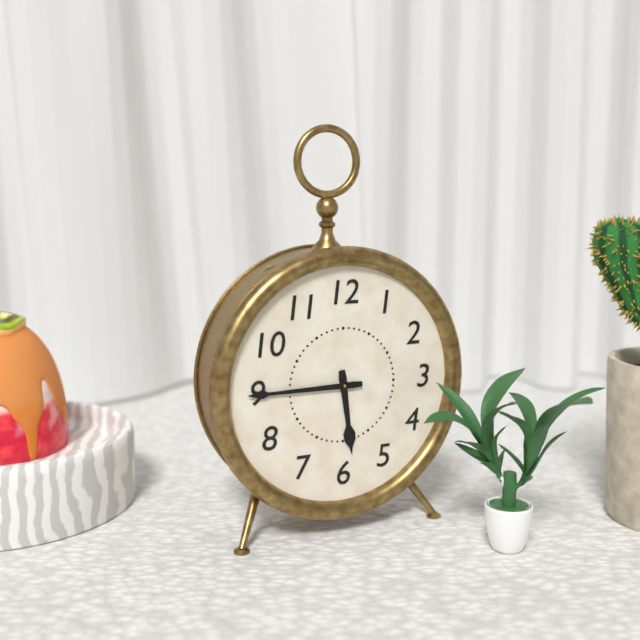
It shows **5:45**
